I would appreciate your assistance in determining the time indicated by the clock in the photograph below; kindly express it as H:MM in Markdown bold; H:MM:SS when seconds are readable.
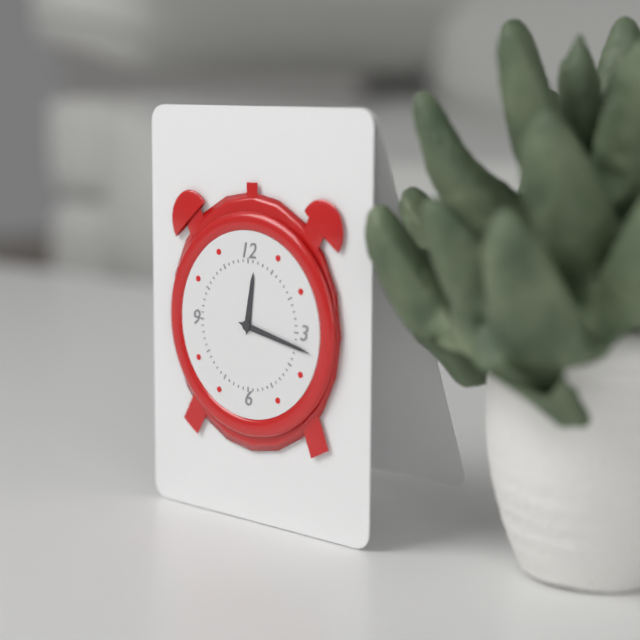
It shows **12:17**
